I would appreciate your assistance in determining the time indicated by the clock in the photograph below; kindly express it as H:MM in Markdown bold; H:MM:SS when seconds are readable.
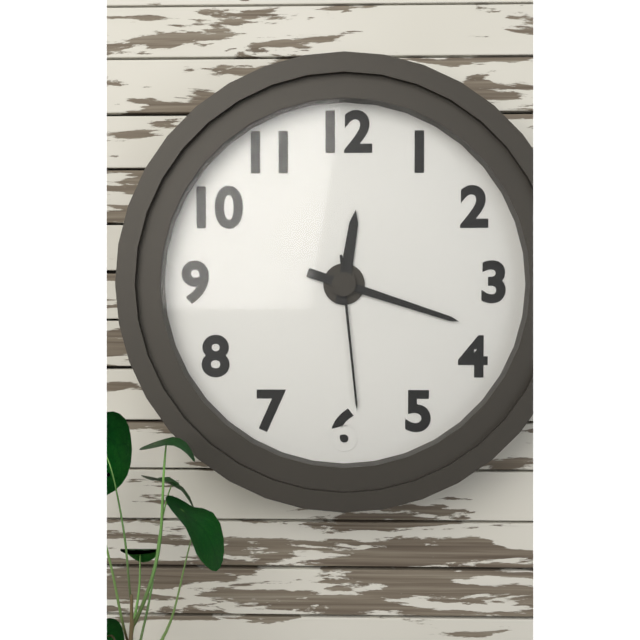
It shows **12:18:29**
